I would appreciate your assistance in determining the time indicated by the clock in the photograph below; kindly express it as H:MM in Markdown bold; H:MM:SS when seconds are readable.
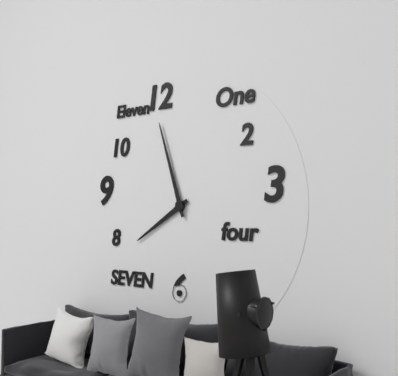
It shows **7:57**
